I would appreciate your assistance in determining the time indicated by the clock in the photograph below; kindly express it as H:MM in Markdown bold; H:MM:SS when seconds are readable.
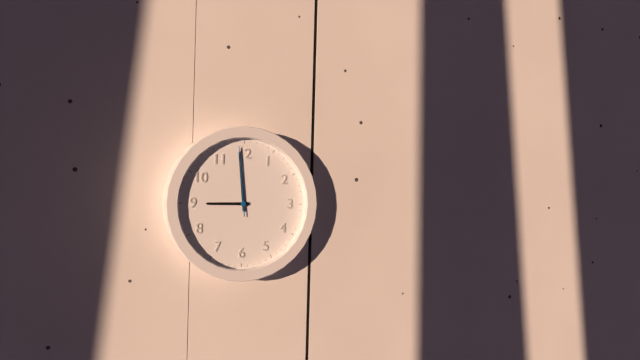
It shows **8:59:59**
